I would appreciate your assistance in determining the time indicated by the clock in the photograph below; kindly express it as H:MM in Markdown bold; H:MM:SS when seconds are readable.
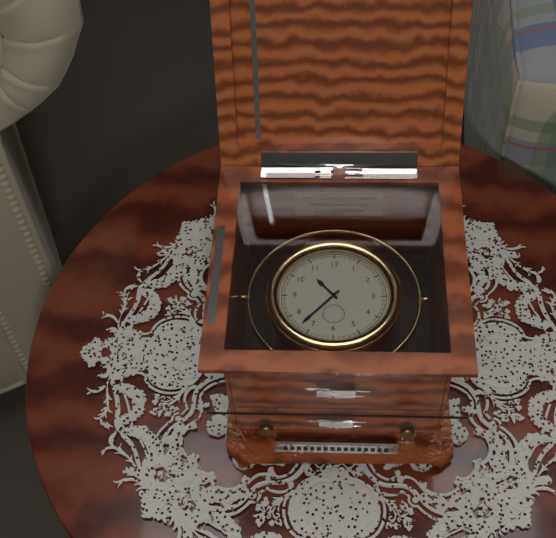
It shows **10:37**
